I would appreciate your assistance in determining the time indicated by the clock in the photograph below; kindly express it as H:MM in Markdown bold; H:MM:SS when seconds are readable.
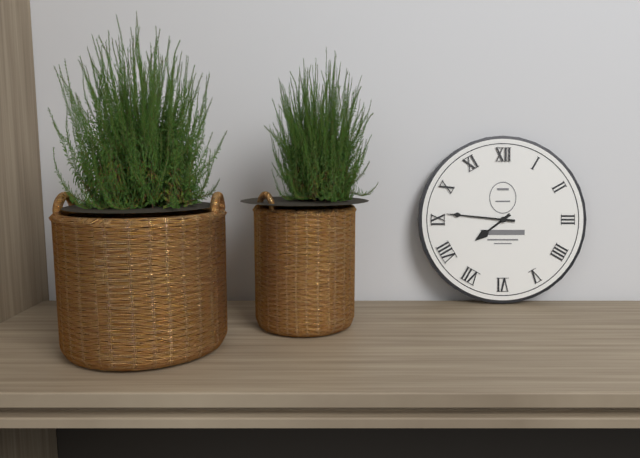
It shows **7:46**
